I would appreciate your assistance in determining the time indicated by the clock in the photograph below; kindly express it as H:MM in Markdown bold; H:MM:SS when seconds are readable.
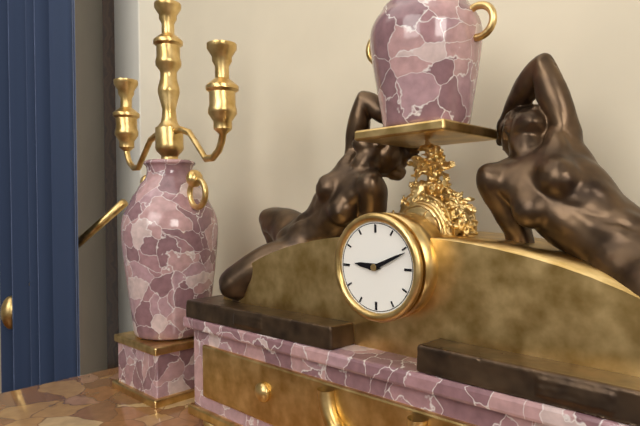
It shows **9:11**
